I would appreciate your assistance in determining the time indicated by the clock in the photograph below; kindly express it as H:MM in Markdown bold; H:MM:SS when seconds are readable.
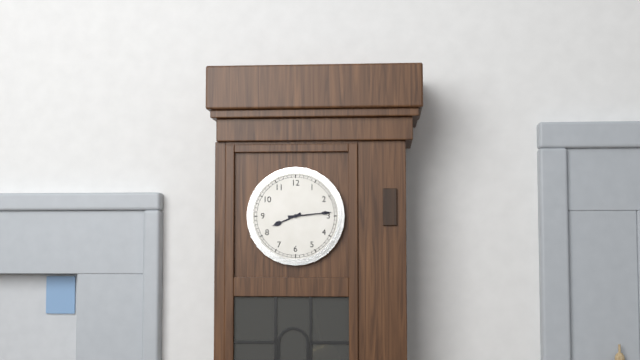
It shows **8:14**
